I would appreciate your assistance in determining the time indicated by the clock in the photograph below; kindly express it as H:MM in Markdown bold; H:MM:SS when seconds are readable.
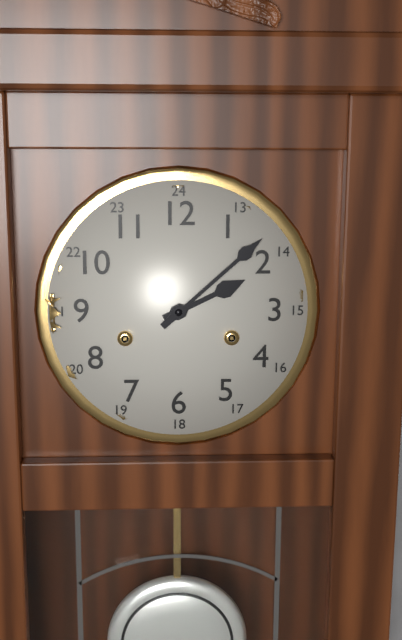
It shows **2:08**
